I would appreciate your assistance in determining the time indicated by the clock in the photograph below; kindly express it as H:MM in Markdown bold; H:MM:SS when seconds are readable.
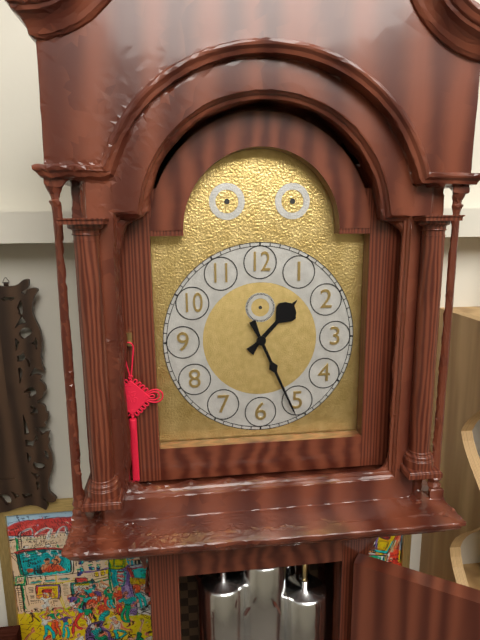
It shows **1:26**
